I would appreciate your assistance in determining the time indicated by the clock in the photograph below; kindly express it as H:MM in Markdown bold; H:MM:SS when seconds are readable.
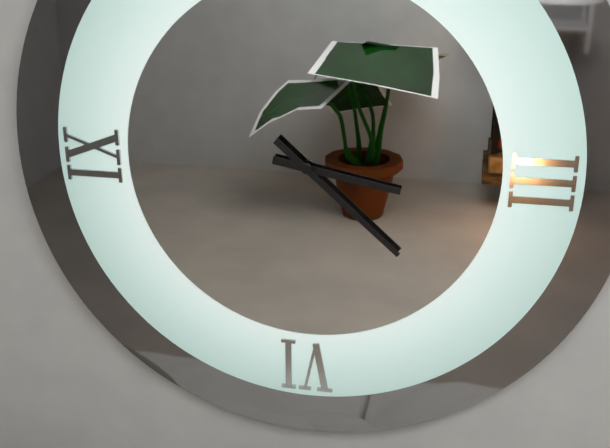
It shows **3:22**
